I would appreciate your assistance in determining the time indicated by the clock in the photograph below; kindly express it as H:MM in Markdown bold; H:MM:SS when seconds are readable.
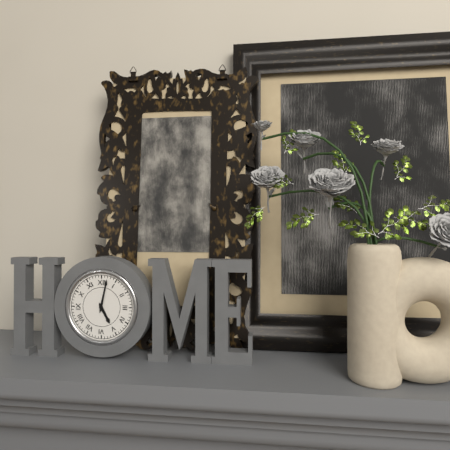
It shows **5:02**
